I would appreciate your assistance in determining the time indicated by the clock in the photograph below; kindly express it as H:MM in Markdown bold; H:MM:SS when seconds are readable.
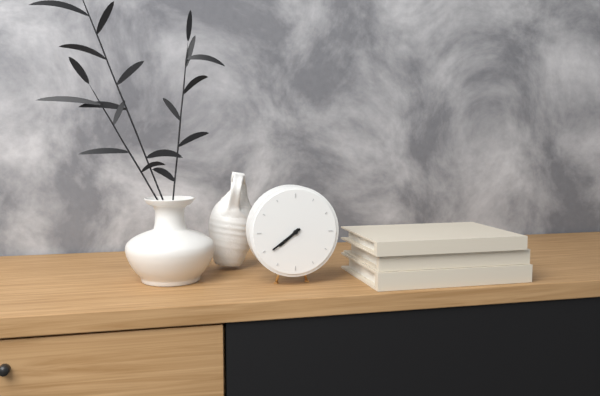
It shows **7:39**
